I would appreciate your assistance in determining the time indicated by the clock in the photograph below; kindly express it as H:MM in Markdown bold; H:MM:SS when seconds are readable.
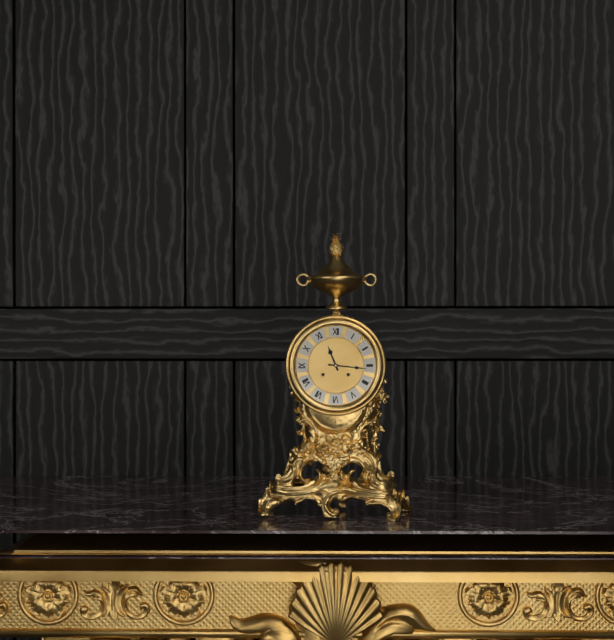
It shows **11:16**
